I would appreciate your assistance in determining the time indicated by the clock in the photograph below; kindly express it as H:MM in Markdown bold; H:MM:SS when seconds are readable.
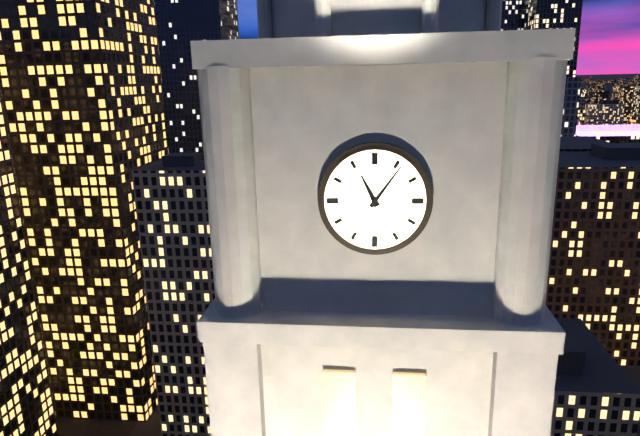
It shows **11:06**
